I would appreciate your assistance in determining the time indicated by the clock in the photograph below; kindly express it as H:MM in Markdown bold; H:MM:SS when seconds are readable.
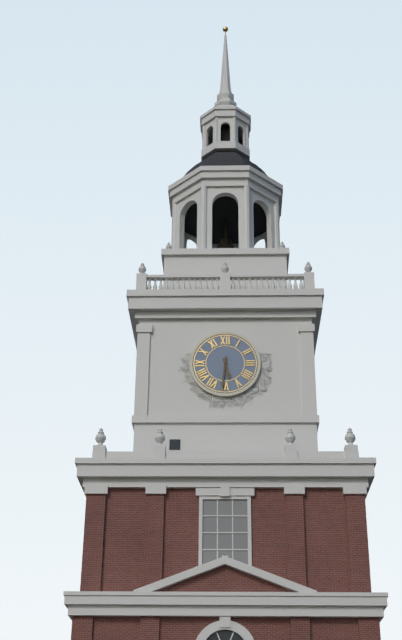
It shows **5:31**
